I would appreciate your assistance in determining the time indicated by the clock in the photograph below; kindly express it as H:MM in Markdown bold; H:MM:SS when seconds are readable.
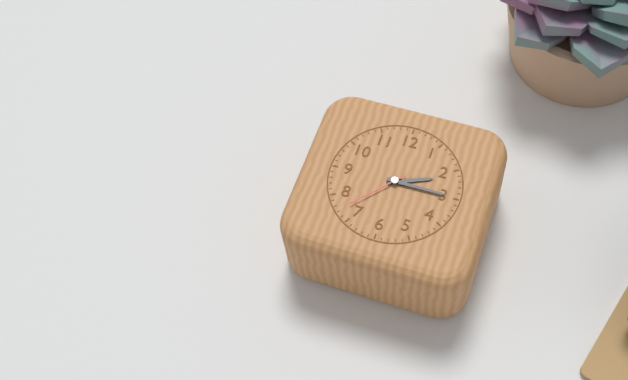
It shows **2:15:37**
